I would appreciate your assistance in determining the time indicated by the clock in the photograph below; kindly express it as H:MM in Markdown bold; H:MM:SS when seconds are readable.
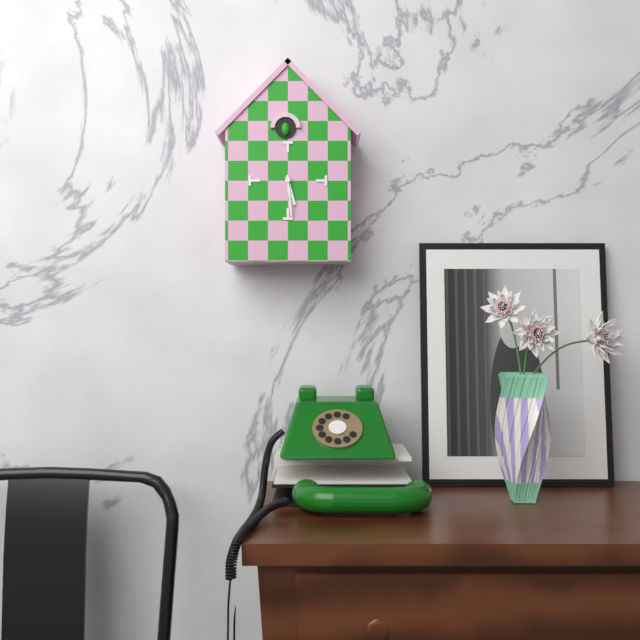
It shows **5:29**
